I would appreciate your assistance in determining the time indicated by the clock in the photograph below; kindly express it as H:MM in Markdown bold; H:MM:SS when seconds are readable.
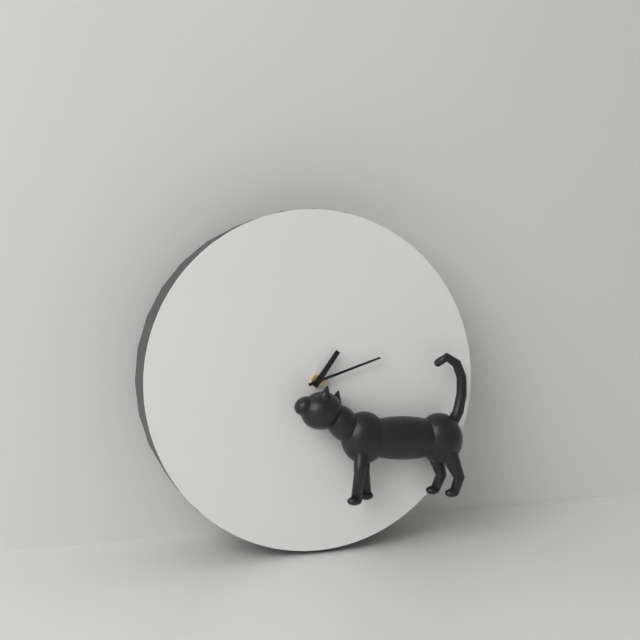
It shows **1:12**
